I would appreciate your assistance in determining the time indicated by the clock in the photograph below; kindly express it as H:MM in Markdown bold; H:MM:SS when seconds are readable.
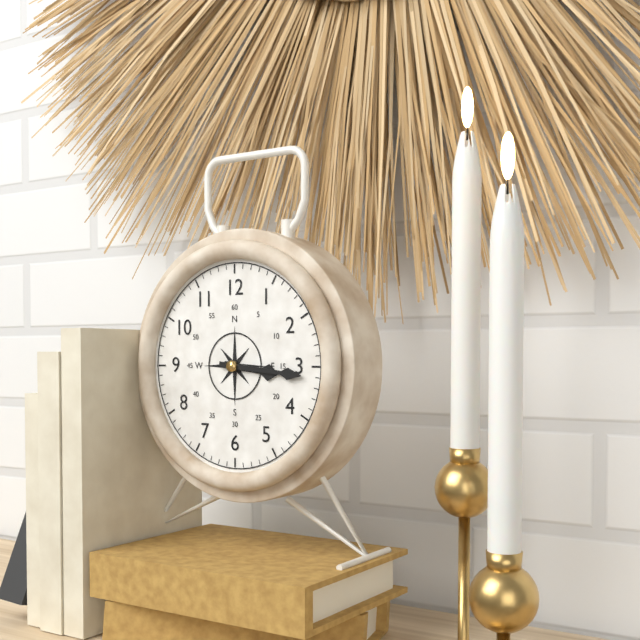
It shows **3:16**
